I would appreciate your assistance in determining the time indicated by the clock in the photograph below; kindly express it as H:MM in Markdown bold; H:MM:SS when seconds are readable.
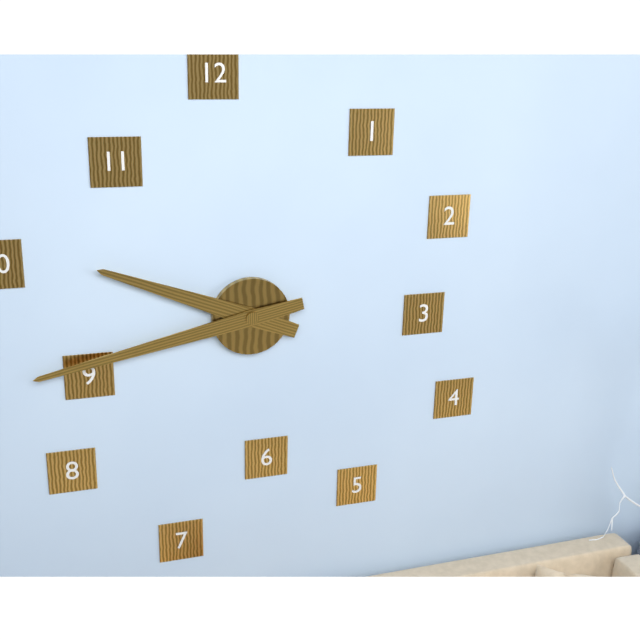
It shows **9:43**
